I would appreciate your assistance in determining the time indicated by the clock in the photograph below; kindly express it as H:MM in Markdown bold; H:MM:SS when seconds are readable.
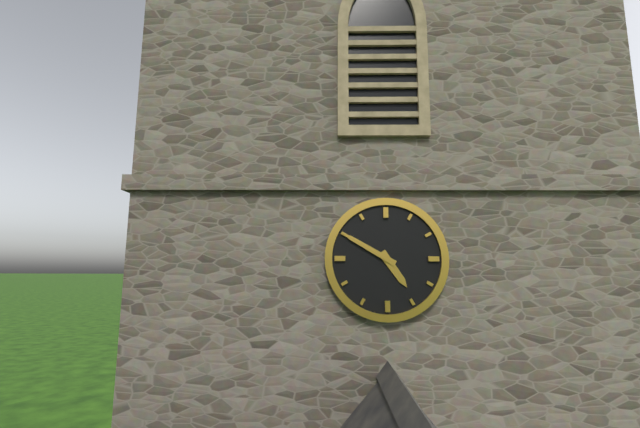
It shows **4:50**
